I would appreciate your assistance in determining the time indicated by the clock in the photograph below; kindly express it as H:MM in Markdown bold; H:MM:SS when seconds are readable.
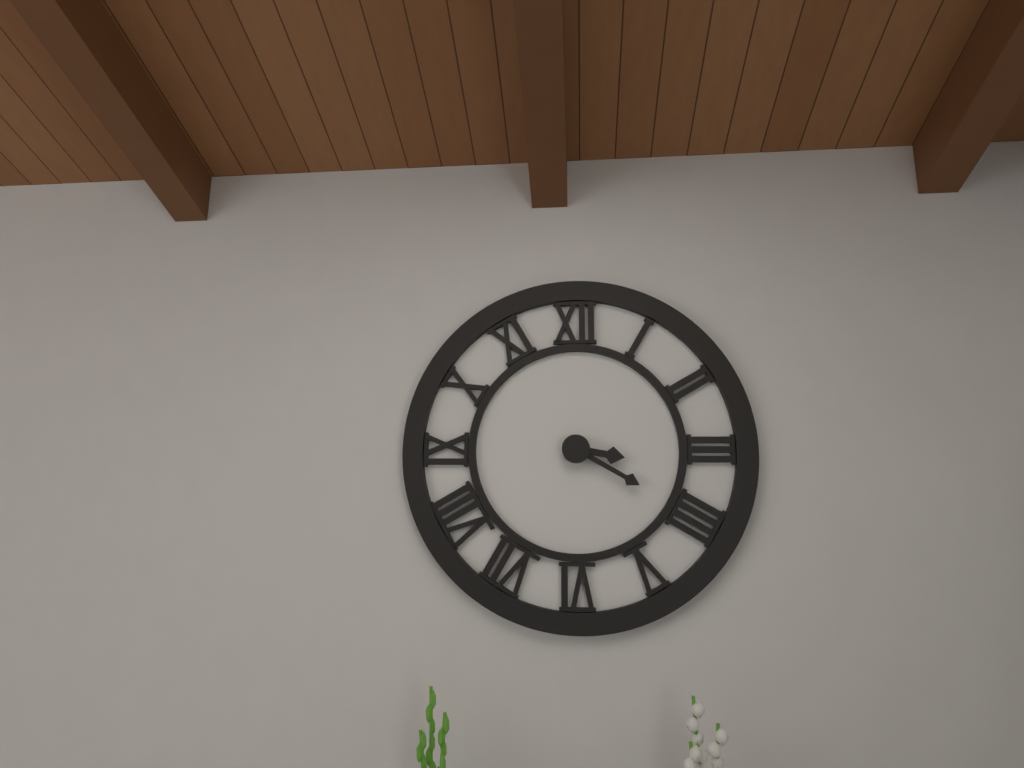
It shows **3:20**
